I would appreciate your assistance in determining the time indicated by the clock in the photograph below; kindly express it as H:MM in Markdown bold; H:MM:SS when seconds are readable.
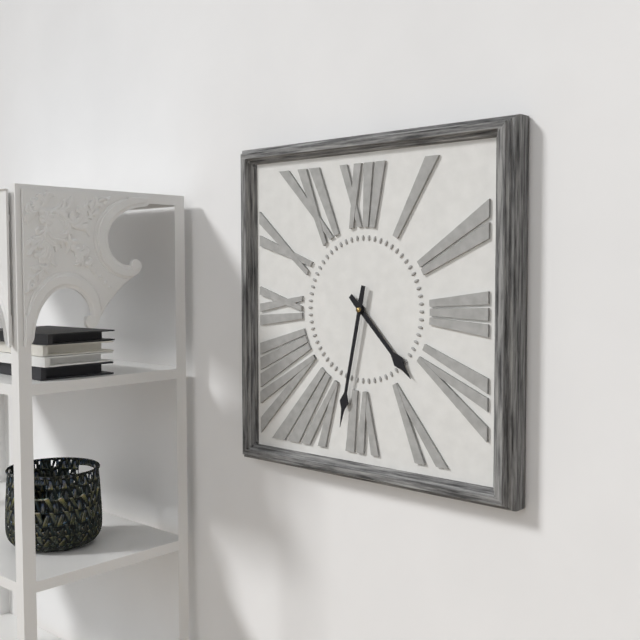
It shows **4:32**
